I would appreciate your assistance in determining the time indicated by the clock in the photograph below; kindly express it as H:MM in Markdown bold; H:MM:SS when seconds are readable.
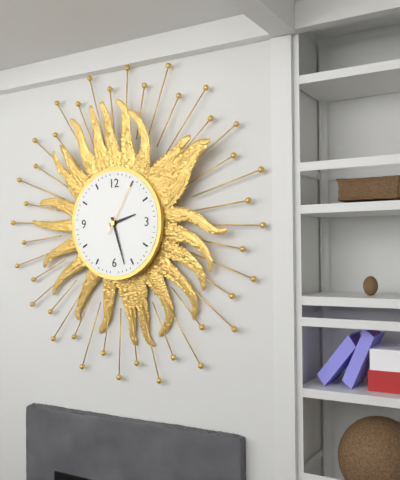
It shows **2:27:05**
